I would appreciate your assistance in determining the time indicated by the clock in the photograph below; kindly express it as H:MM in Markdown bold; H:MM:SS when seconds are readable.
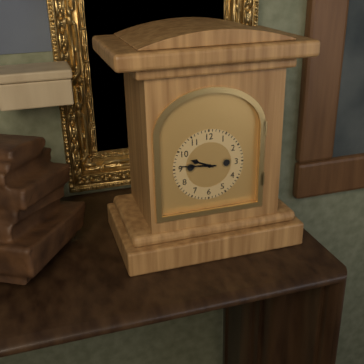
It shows **9:46**
